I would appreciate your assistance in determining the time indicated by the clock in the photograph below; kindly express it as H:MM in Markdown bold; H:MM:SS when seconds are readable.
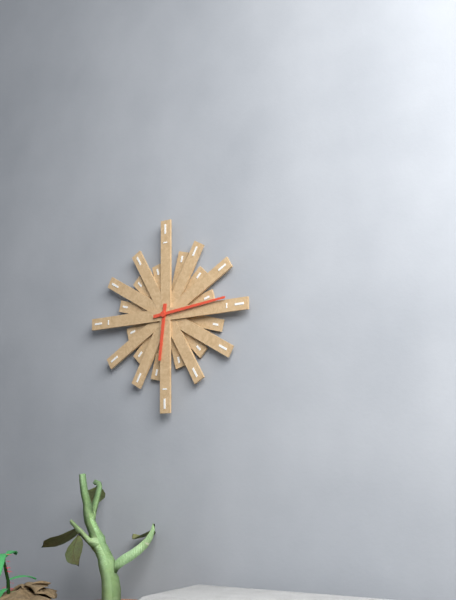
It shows **6:14**
